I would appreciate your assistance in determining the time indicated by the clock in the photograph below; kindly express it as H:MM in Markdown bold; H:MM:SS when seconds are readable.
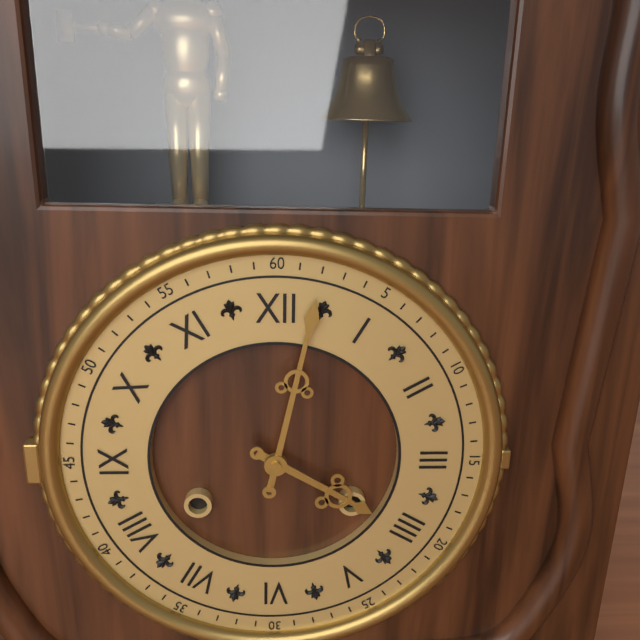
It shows **4:02**
